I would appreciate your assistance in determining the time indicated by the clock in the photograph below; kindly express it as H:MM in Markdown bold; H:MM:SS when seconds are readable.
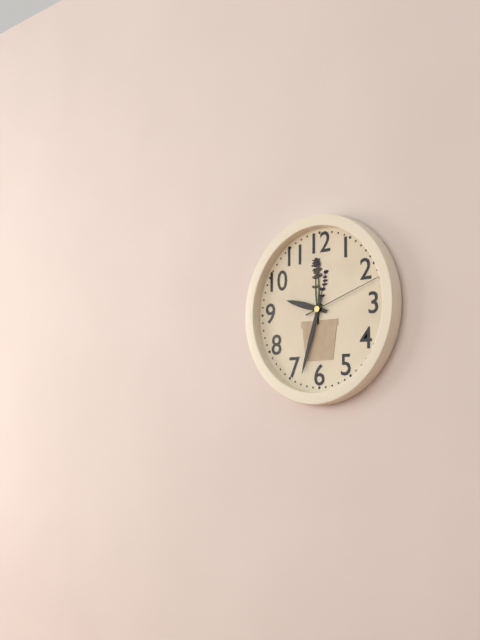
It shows **9:33:12**
